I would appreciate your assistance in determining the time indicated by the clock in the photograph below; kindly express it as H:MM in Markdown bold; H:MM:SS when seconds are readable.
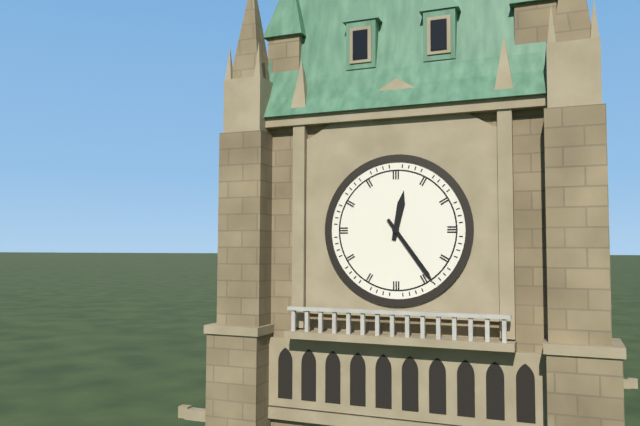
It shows **12:24**
